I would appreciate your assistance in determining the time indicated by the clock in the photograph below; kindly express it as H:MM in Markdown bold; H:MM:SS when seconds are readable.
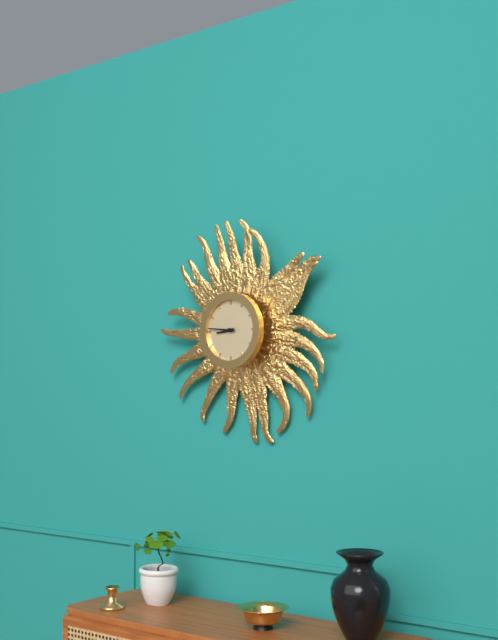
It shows **8:46**
